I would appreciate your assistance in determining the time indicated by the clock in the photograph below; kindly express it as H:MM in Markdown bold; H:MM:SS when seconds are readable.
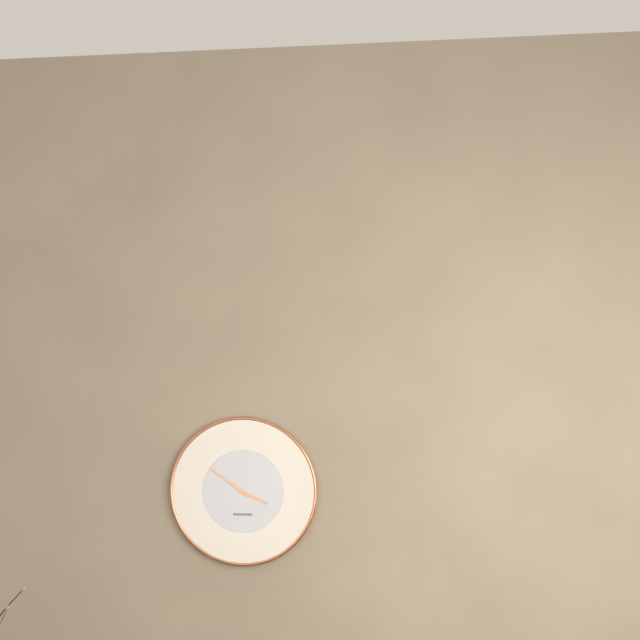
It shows **3:51**
